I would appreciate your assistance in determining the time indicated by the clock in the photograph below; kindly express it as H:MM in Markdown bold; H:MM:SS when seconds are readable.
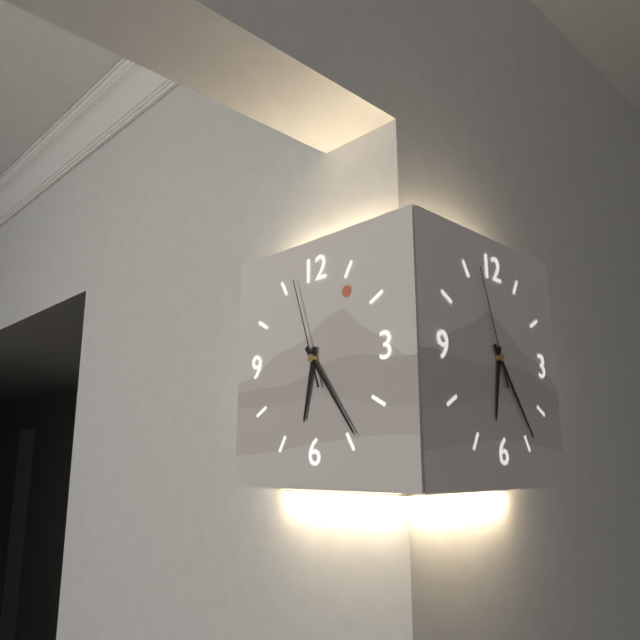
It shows **6:24:57**
